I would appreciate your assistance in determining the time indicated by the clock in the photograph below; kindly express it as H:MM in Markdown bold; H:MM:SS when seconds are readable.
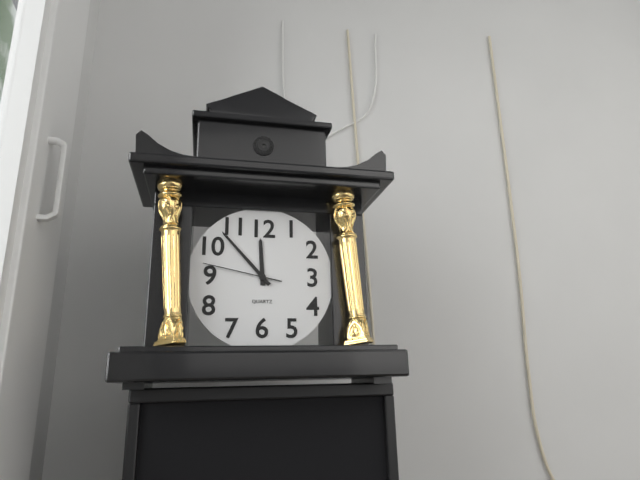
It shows **11:53:47**
